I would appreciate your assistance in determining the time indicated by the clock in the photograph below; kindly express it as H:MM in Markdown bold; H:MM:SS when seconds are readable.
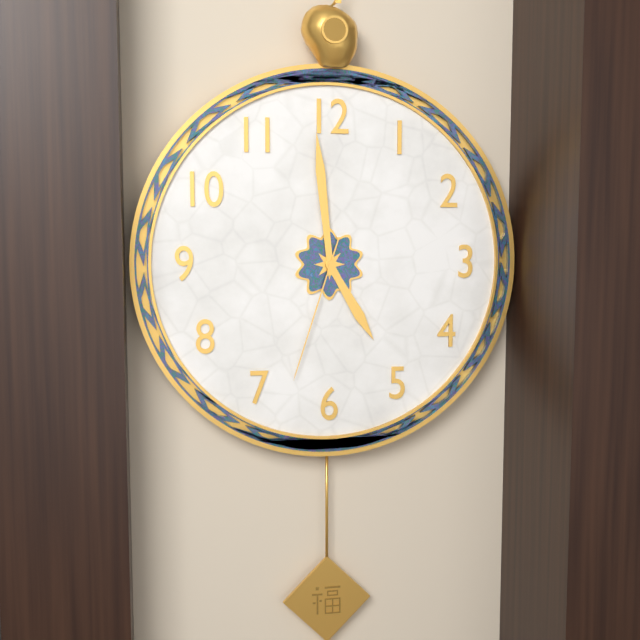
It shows **4:59:33**
